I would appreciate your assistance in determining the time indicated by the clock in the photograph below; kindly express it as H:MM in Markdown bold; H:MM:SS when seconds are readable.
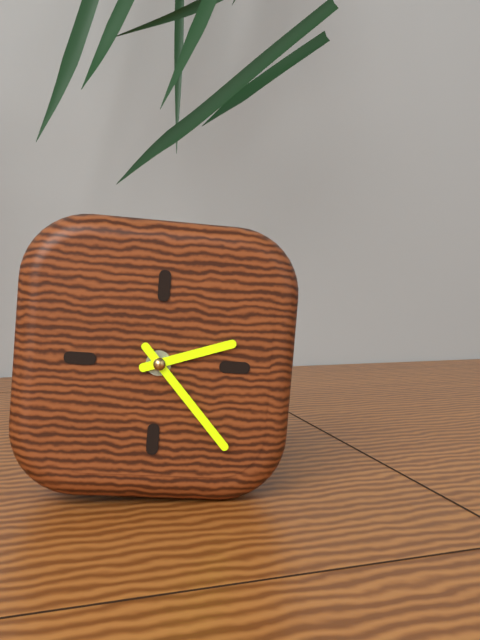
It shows **2:23**
